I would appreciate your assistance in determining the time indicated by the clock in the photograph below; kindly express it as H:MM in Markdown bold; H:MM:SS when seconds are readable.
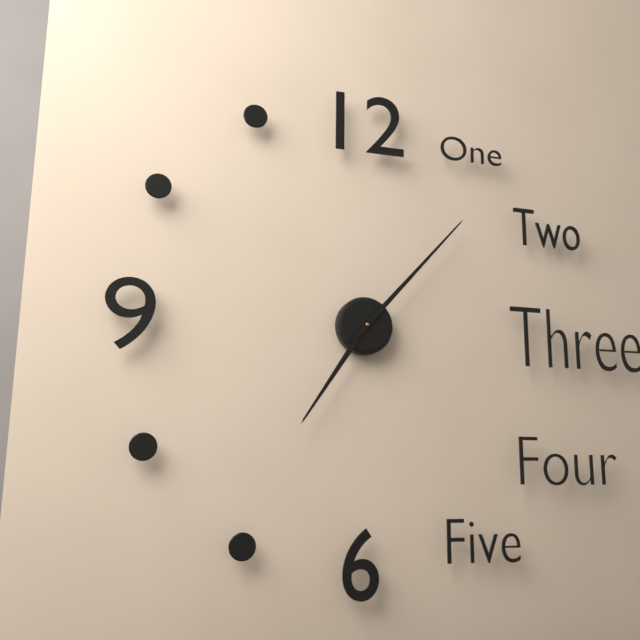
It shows **7:07**
